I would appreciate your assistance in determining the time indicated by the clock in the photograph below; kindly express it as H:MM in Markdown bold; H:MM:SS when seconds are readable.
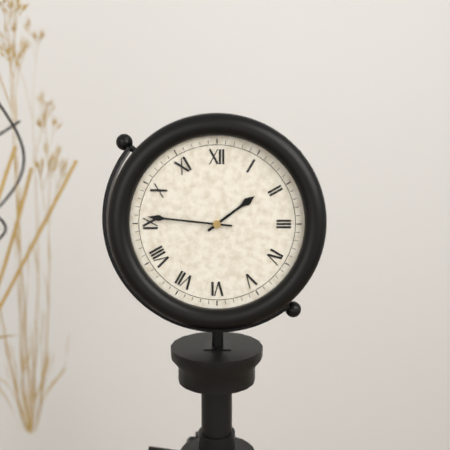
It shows **1:46**
